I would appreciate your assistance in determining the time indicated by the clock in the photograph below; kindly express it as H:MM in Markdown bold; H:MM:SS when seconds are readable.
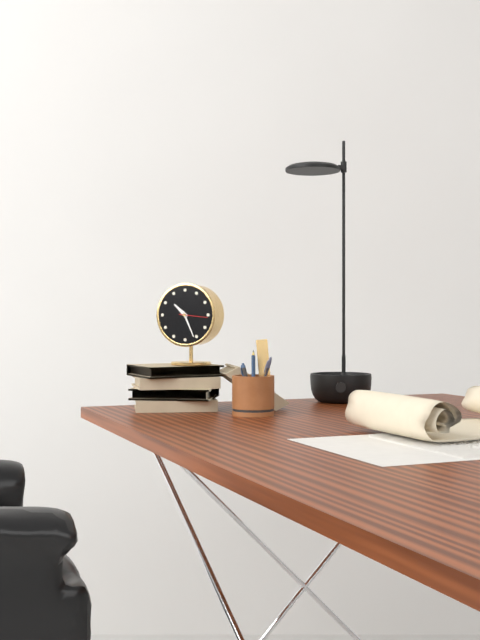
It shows **10:26**
